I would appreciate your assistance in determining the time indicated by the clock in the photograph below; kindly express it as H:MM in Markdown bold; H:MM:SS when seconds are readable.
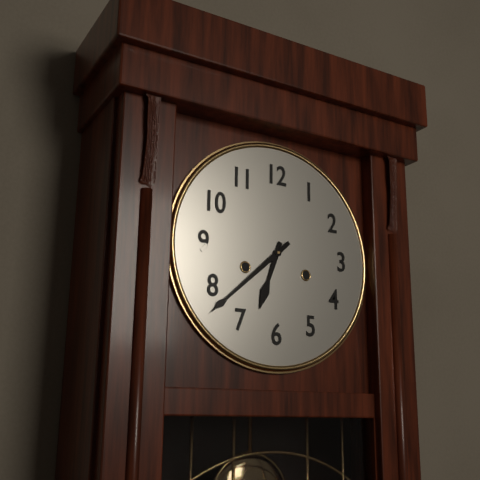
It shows **6:38**
